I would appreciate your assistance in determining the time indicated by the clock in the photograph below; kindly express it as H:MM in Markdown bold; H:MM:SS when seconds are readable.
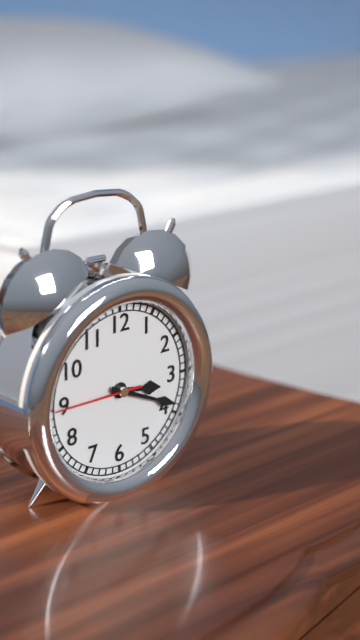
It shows **3:19:45**
